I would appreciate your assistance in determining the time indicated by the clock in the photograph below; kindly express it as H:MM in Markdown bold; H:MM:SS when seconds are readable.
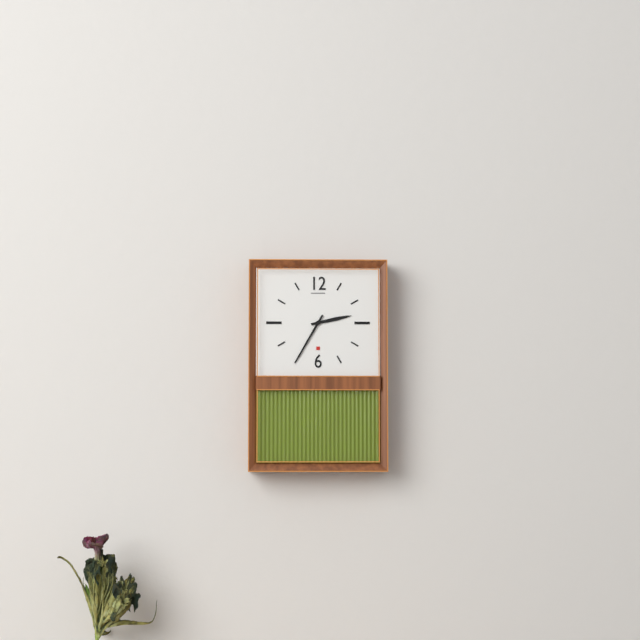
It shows **2:35**
